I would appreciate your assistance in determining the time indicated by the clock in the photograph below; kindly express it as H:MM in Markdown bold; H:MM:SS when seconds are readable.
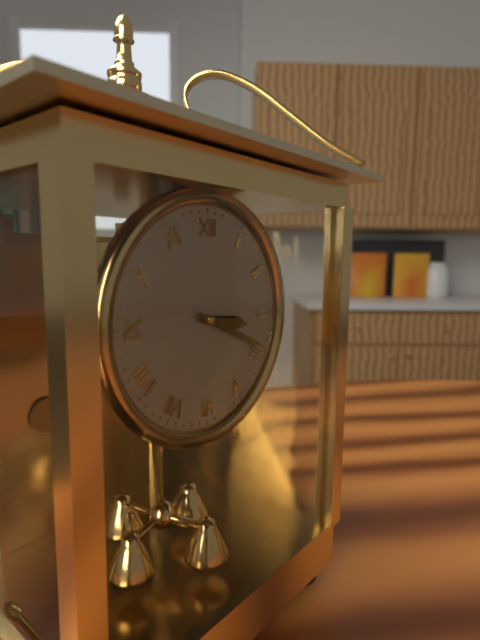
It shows **3:19**
